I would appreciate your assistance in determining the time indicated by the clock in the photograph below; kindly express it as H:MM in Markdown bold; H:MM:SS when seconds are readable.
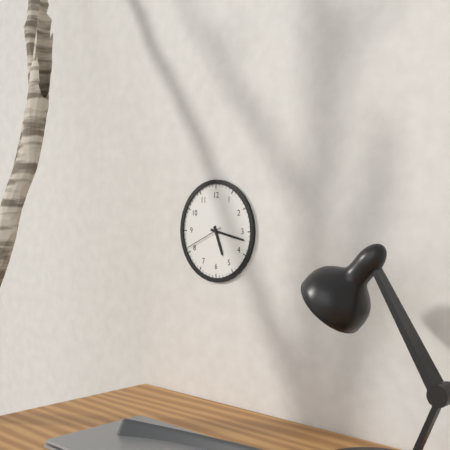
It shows **5:17**
